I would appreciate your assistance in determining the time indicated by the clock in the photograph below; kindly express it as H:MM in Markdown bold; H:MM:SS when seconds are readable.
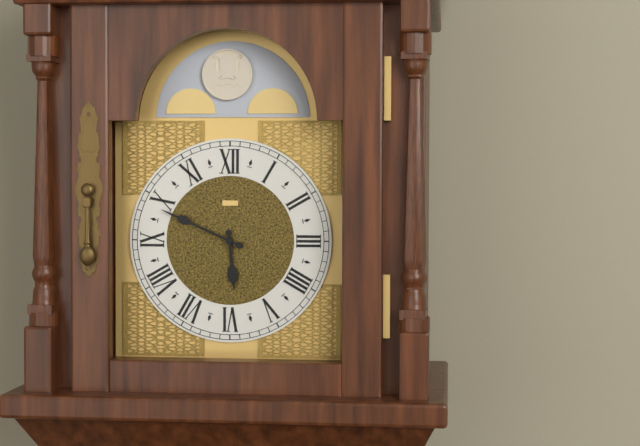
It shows **5:49**
